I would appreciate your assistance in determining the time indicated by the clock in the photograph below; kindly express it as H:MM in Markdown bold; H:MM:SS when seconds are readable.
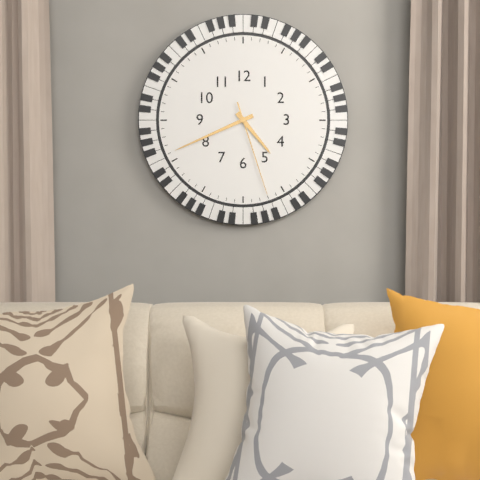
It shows **4:41:27**
